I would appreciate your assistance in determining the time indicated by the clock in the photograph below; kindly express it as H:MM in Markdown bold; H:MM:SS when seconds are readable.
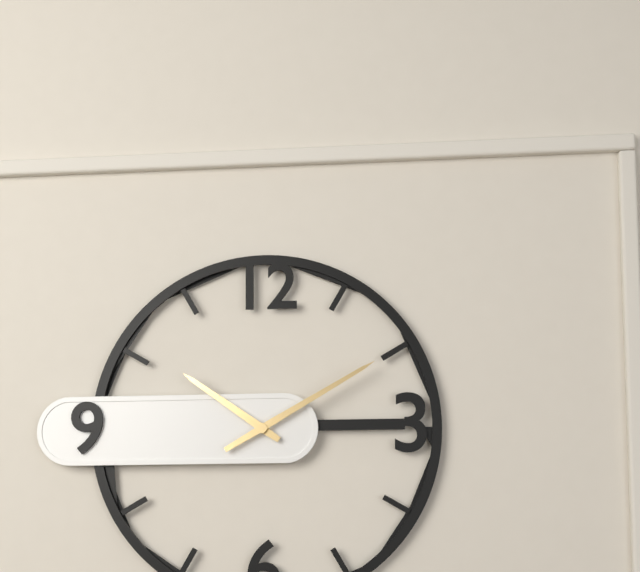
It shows **10:10**
